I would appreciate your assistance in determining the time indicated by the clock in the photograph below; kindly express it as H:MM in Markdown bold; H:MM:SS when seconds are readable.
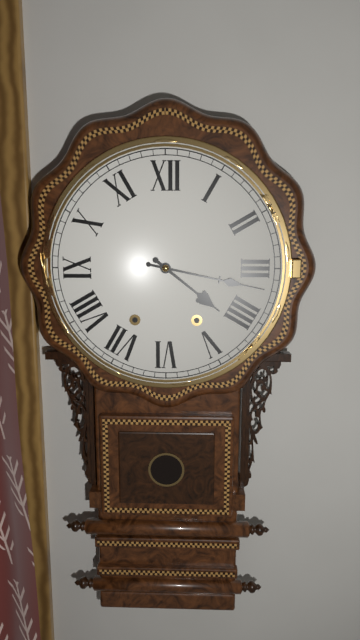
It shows **4:17**
